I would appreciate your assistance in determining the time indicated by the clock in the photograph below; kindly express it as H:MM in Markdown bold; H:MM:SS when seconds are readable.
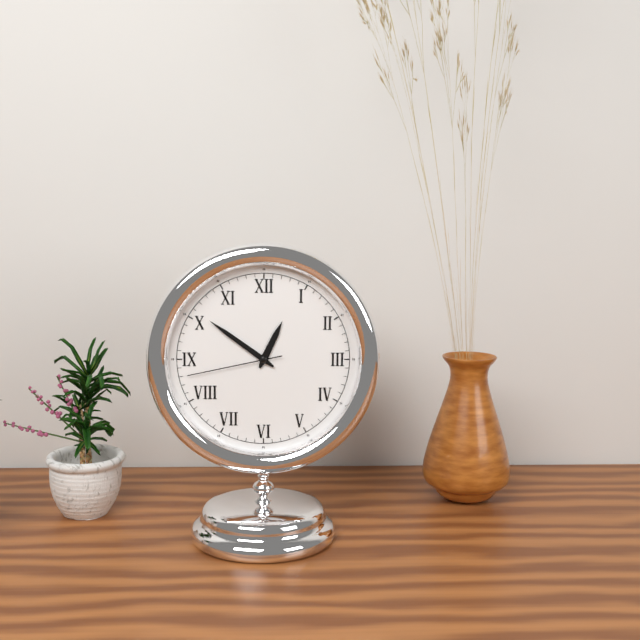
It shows **12:51:43**
